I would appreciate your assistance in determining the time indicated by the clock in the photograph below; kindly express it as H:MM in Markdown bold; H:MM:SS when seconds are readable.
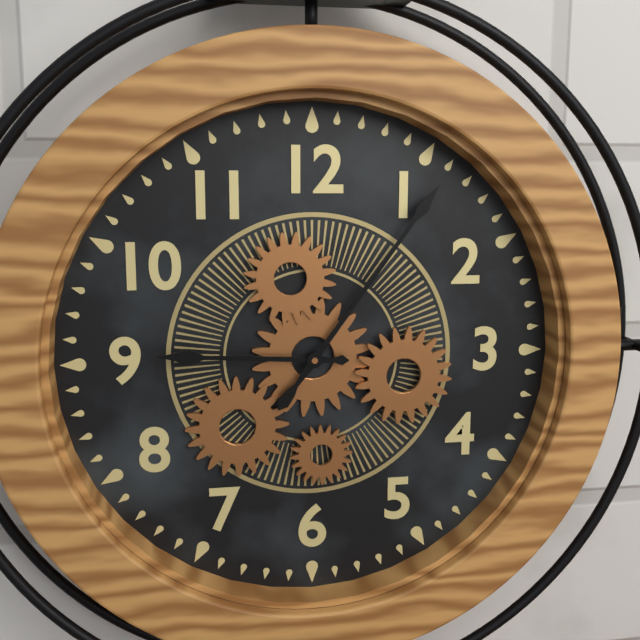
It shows **9:06**
